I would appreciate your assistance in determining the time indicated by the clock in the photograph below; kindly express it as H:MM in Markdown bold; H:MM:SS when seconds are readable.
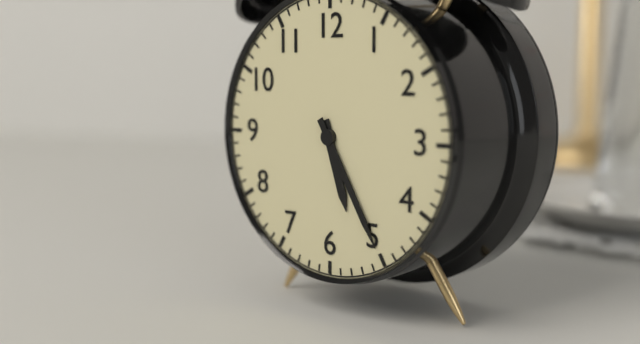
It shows **5:25**
